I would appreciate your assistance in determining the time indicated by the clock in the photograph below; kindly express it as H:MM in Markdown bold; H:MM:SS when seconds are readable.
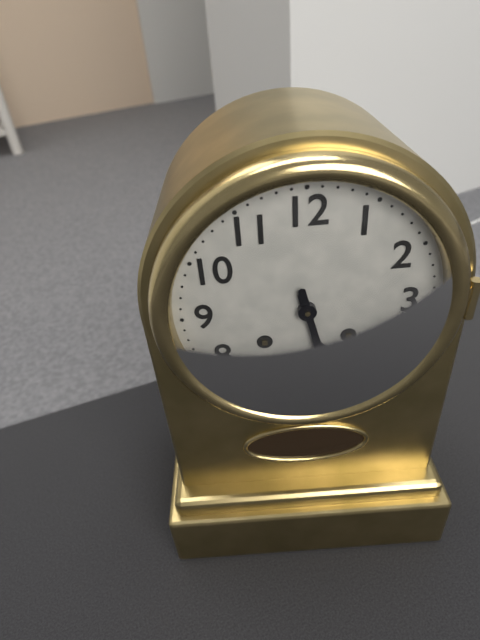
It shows **5:28**
